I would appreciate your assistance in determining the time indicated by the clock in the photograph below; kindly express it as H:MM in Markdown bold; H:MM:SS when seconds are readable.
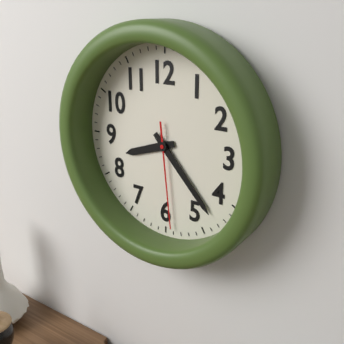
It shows **8:23:29**
